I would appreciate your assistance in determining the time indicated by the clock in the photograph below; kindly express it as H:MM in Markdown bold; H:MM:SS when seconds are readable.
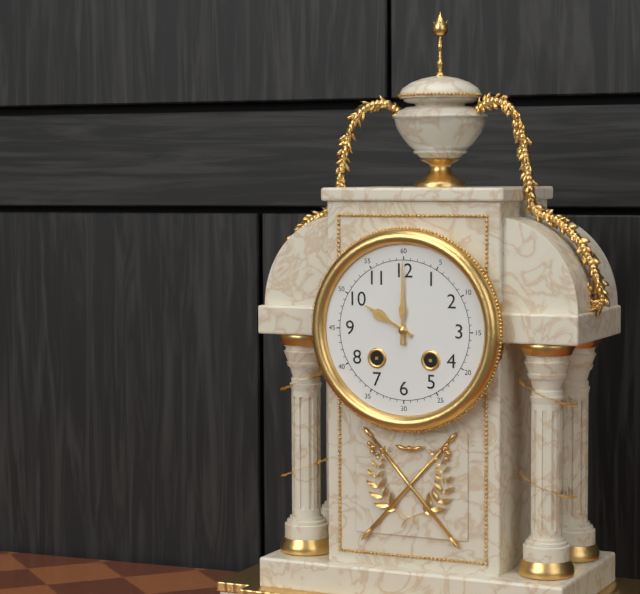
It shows **10:00**
